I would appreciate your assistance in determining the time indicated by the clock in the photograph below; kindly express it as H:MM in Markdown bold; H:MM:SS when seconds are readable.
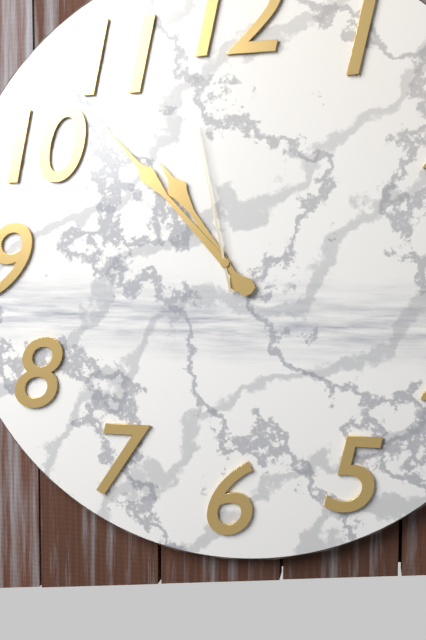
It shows **10:53:58**
